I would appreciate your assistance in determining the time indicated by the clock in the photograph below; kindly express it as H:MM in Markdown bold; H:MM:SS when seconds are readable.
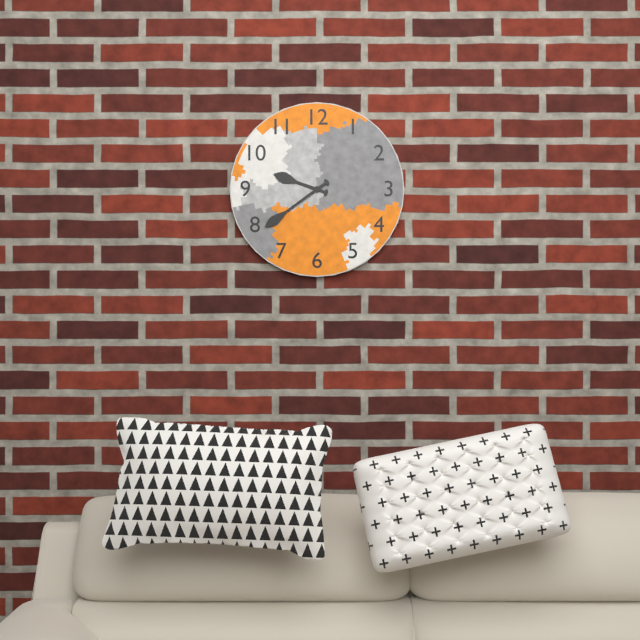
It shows **9:39**
